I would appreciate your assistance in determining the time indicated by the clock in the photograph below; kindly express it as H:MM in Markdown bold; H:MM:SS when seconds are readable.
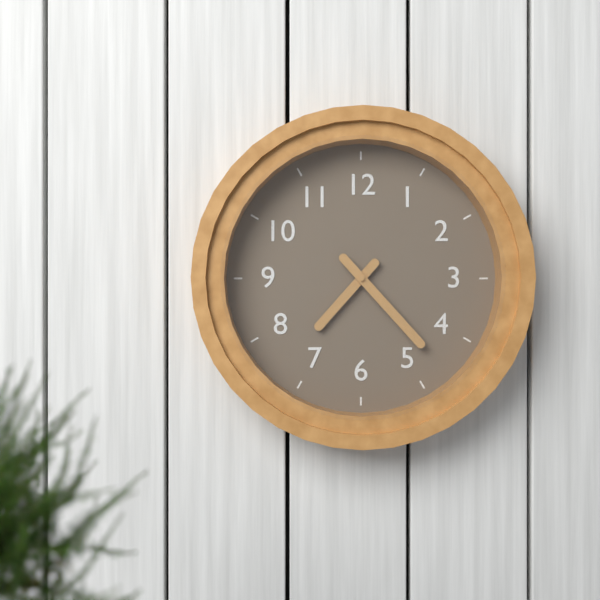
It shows **7:23**
